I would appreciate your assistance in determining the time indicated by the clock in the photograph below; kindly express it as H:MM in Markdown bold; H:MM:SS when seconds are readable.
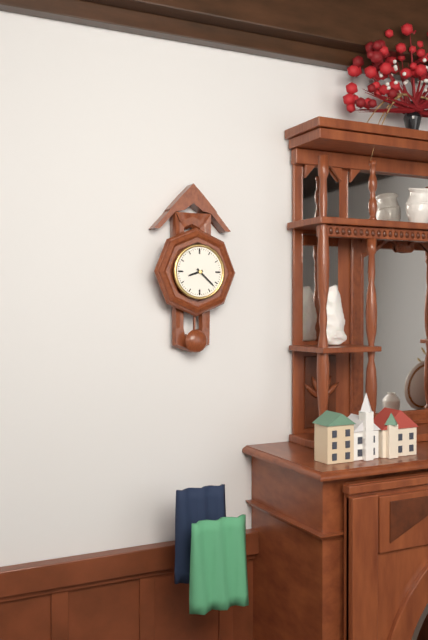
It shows **8:22**
